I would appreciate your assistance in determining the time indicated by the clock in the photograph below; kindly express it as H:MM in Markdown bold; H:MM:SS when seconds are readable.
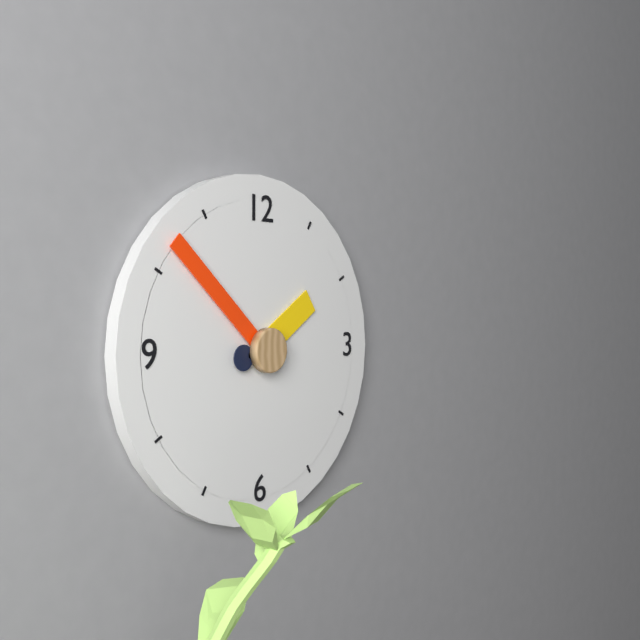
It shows **1:52**
